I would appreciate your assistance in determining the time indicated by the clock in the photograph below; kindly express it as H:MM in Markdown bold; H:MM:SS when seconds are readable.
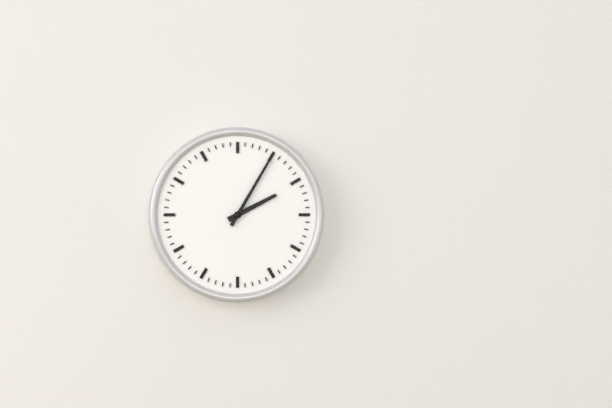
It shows **2:05**
